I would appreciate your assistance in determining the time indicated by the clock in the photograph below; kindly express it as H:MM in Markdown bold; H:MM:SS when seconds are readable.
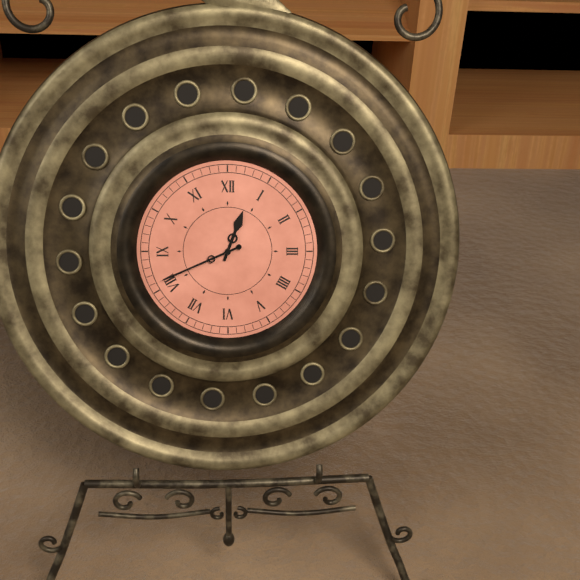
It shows **12:41**
